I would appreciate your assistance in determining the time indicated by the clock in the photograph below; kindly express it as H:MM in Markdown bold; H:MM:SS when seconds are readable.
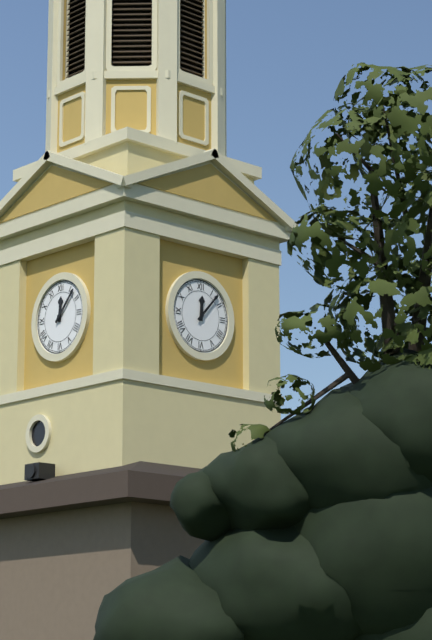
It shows **12:07**
